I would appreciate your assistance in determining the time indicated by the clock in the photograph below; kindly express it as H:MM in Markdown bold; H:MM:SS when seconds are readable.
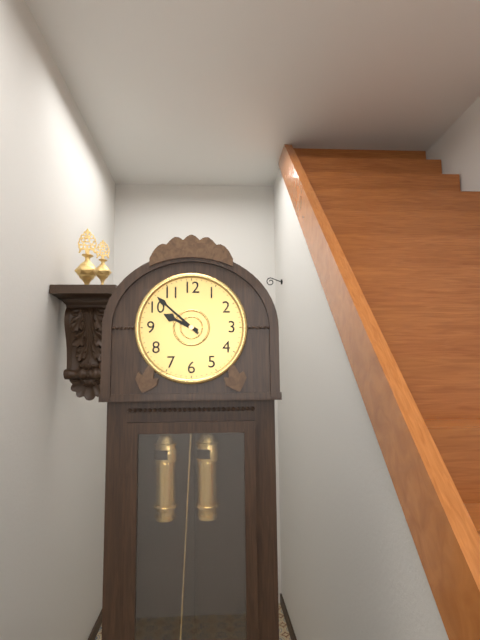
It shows **9:52**
